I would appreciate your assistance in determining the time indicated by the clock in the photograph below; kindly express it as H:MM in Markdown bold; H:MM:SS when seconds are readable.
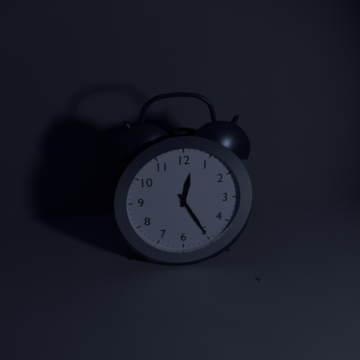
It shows **12:25**
